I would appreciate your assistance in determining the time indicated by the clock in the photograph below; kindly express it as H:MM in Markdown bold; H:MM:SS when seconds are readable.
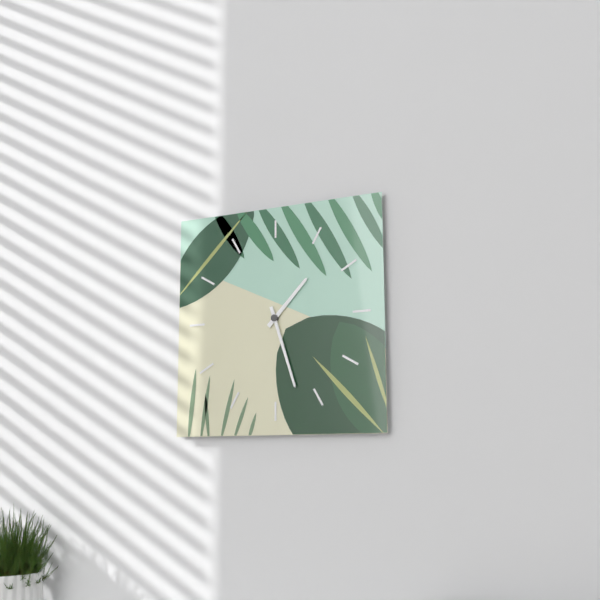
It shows **1:27**
